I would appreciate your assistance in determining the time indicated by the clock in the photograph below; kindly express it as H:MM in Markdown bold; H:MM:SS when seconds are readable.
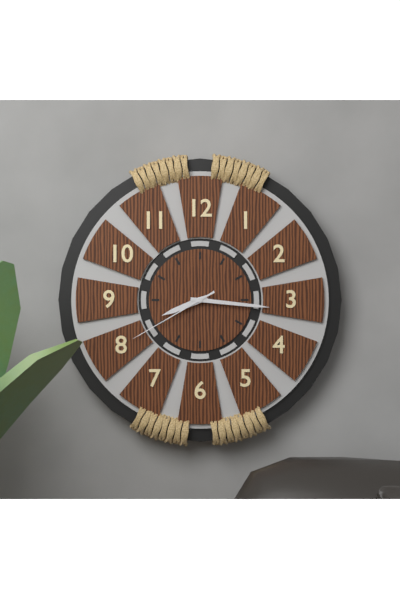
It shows **8:16:40**
